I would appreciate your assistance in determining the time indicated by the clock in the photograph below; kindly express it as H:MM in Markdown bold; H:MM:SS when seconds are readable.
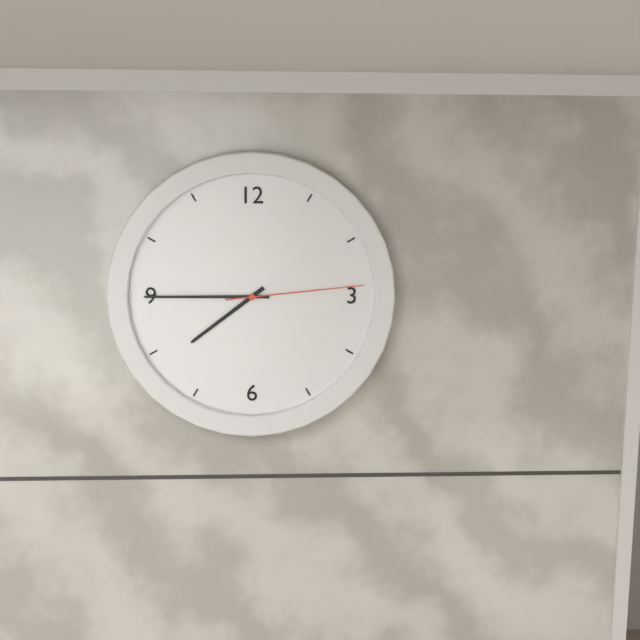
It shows **7:45:14**
